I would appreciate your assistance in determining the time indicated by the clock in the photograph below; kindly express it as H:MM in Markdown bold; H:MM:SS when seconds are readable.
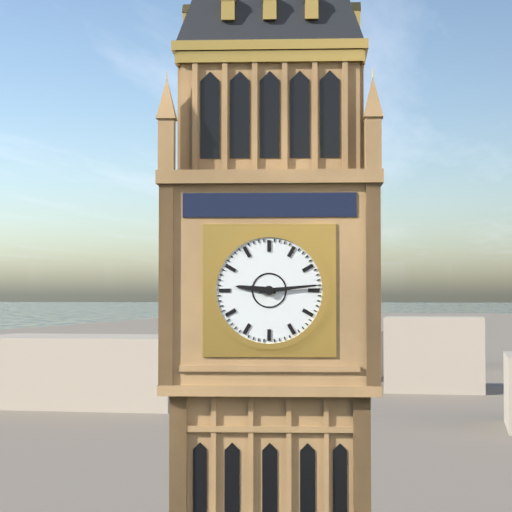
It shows **9:14**
